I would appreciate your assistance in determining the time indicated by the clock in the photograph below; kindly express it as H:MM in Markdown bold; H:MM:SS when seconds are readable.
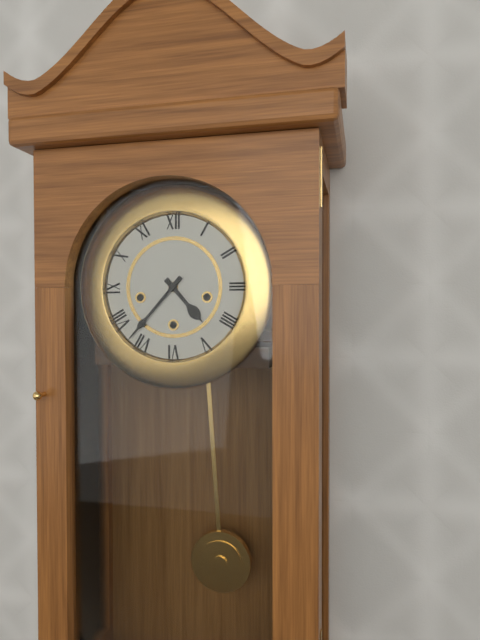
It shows **4:37**
